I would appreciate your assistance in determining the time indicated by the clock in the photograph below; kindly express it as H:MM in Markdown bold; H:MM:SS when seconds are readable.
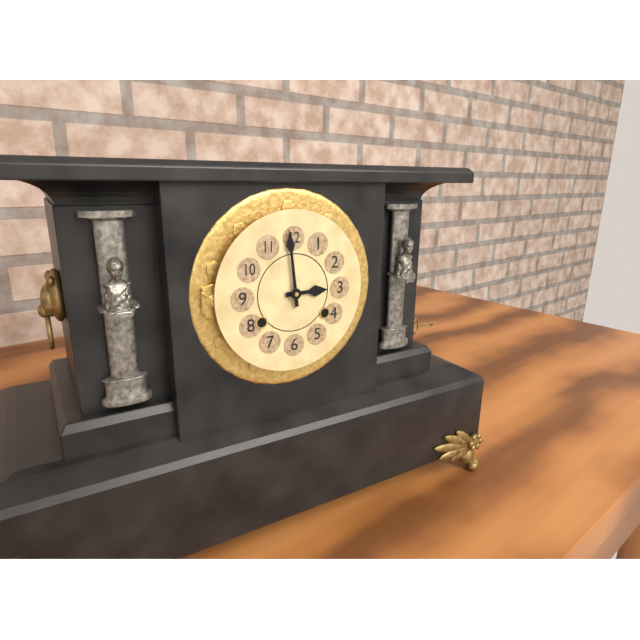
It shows **2:59**
